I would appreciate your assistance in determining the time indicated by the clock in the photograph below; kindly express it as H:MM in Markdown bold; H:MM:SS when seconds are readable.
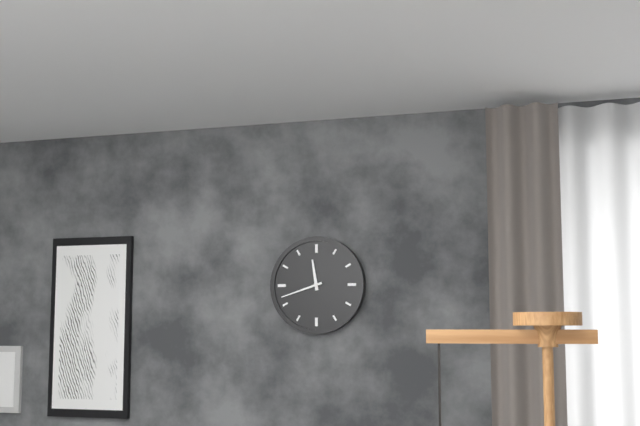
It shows **11:42**
